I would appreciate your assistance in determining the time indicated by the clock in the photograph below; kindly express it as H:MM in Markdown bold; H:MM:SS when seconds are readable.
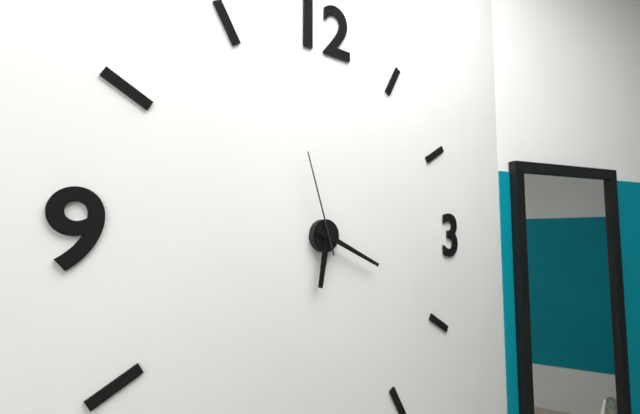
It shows **6:19:57**
